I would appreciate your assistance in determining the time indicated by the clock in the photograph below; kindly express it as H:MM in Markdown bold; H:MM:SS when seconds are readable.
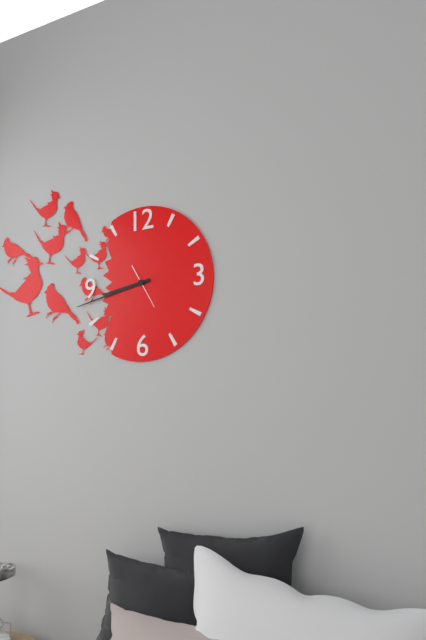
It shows **8:43**
